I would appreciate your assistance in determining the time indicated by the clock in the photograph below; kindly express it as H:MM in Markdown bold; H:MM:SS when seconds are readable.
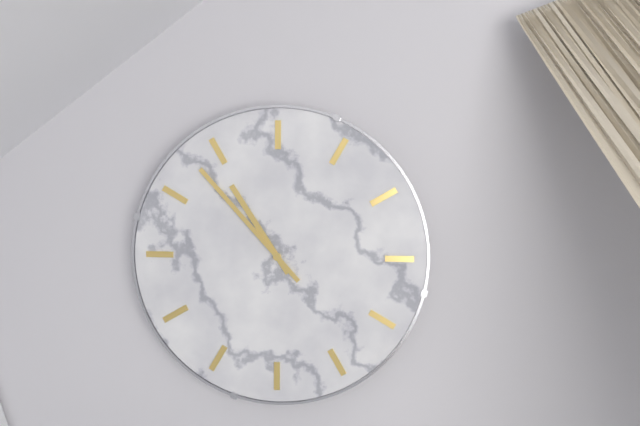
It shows **10:53**
